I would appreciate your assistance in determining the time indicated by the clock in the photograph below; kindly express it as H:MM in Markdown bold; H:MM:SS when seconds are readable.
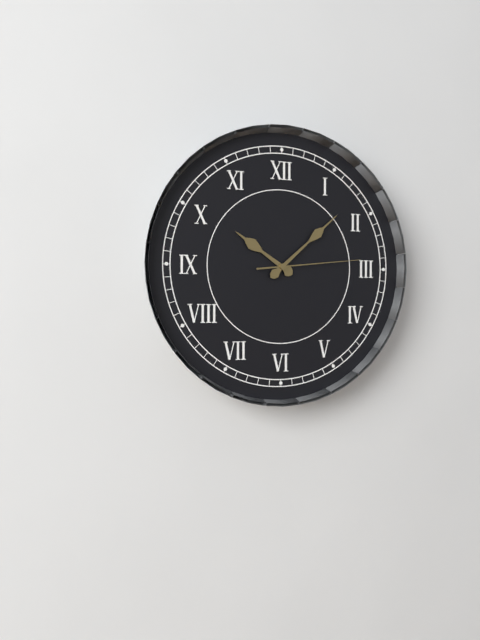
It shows **10:08:14**
